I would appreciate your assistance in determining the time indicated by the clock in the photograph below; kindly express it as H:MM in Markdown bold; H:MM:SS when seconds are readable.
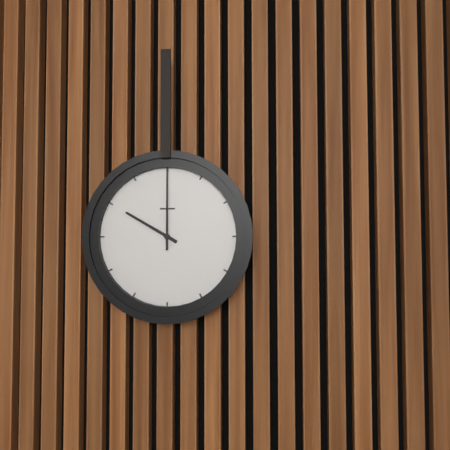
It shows **10:00**
